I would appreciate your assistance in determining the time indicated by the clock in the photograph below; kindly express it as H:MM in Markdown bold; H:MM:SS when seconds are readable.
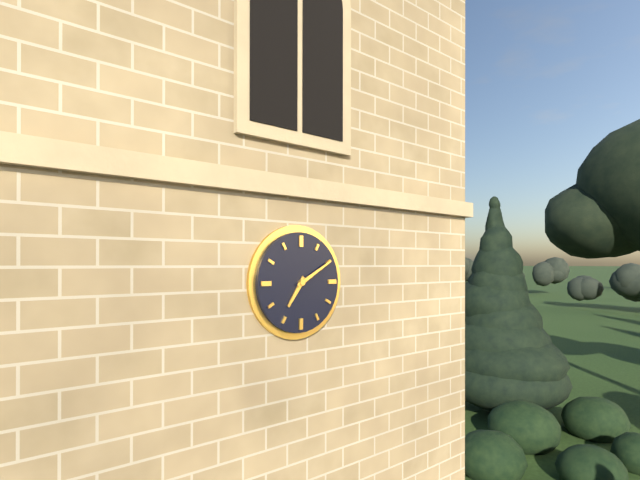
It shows **7:10**
